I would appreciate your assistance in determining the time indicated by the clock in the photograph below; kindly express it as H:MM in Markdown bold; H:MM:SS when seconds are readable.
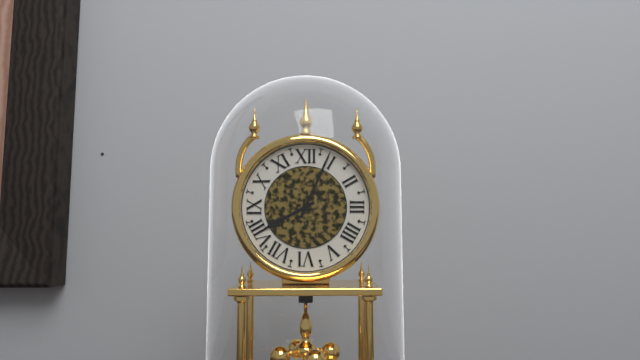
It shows **8:04**
